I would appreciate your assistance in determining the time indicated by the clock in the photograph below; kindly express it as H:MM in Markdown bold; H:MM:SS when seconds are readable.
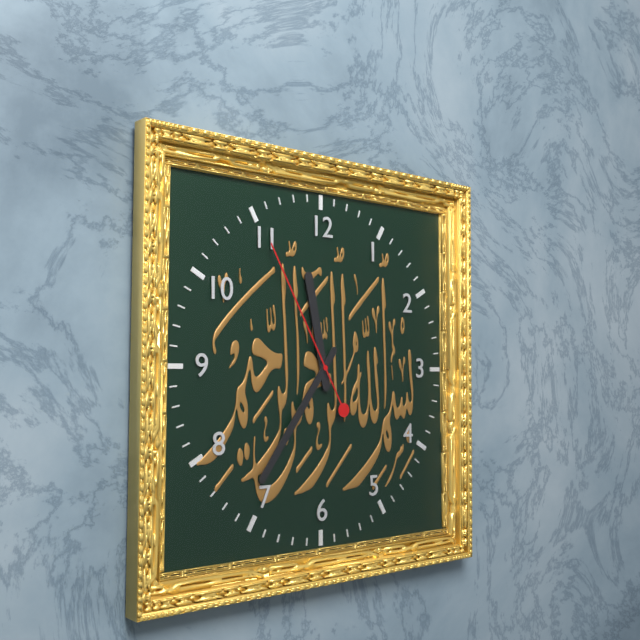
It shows **11:36:55**
